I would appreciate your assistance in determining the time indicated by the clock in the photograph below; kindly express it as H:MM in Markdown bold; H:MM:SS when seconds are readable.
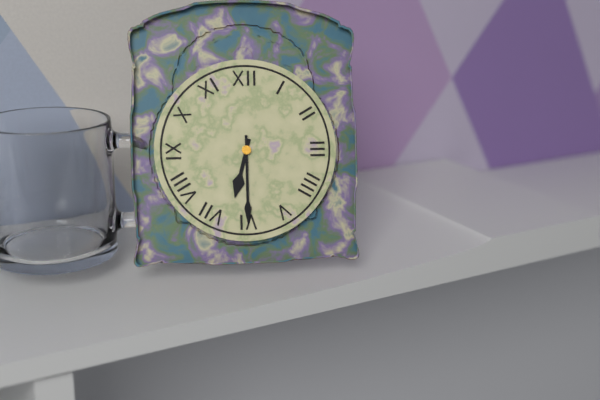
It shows **6:30**
